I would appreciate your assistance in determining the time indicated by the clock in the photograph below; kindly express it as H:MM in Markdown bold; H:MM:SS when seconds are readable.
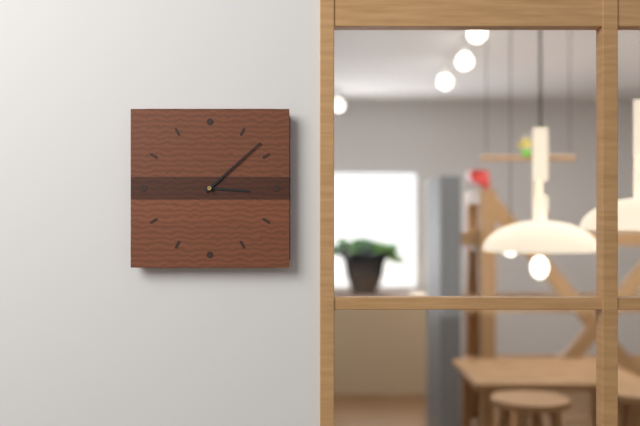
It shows **3:08**
